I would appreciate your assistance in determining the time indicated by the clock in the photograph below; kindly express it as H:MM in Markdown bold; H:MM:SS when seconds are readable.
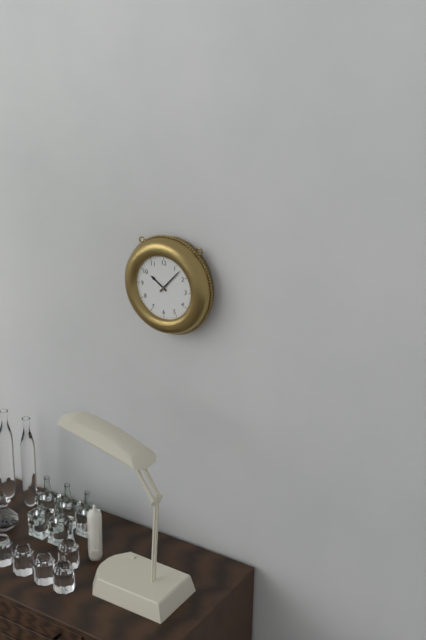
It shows **10:07**
